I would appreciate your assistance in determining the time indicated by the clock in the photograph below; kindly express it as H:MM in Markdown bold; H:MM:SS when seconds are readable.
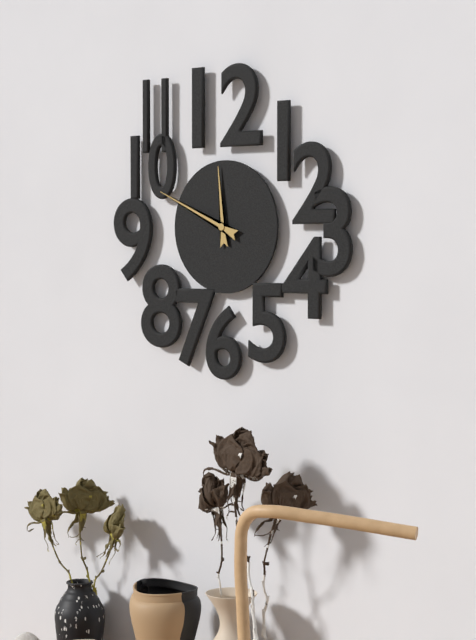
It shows **11:49**
